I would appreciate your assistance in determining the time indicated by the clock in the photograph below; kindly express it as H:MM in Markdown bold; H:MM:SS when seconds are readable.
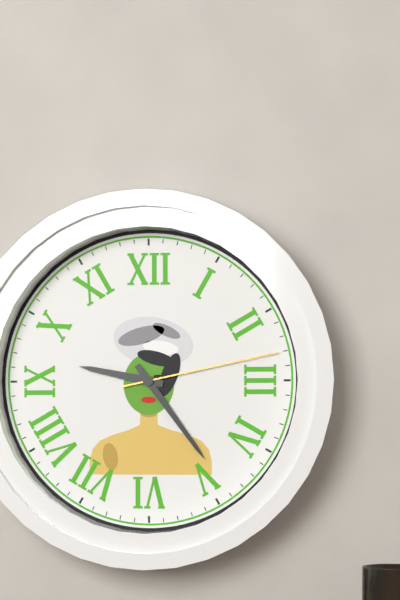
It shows **9:24:13**
